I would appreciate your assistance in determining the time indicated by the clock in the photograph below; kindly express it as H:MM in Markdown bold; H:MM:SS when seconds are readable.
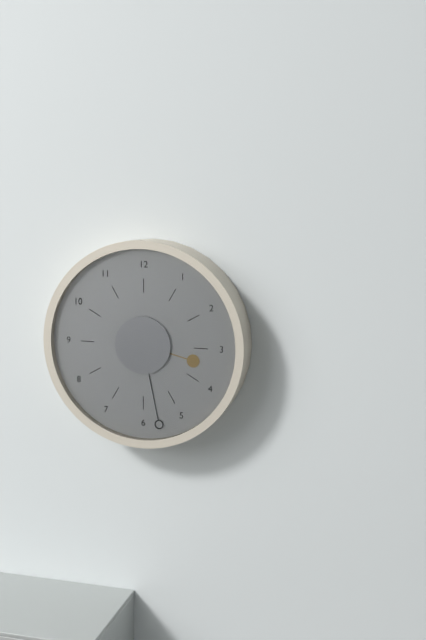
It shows **3:28**
